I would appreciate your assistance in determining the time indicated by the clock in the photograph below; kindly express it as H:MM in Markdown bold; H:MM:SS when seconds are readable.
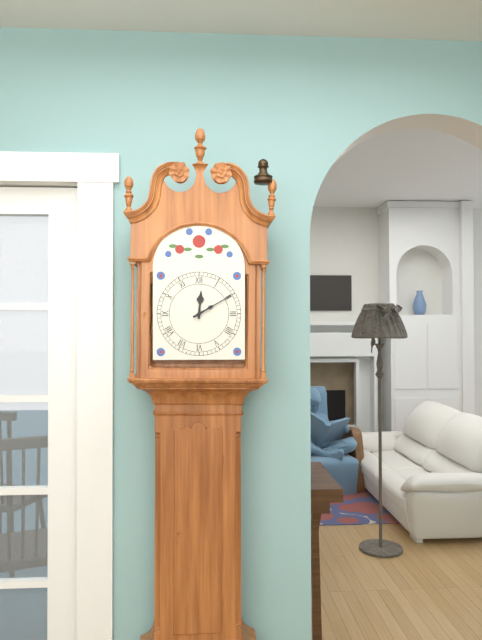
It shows **12:10**
